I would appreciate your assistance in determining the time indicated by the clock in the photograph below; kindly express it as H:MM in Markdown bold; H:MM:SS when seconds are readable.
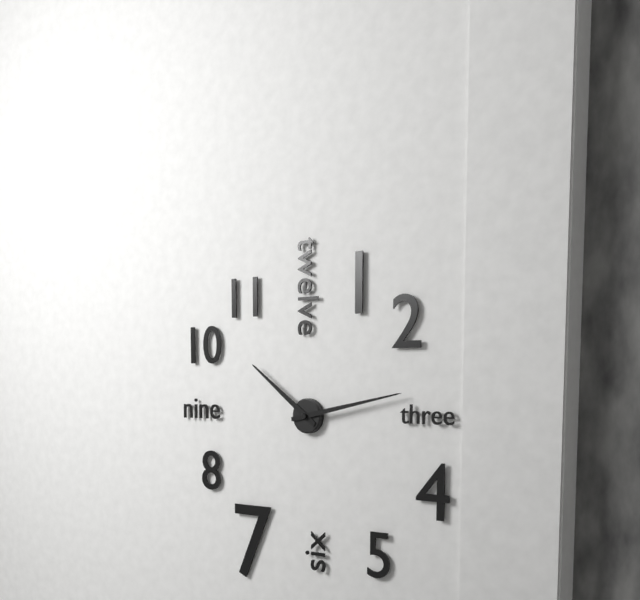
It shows **10:13**
